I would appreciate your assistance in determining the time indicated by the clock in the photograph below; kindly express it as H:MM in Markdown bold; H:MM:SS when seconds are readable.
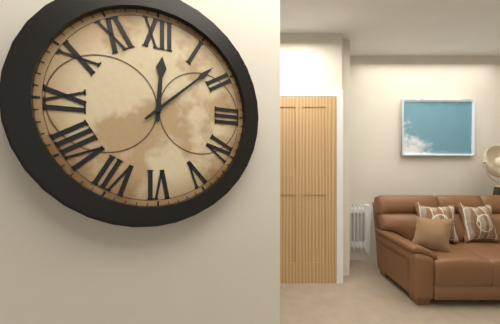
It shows **12:08**
